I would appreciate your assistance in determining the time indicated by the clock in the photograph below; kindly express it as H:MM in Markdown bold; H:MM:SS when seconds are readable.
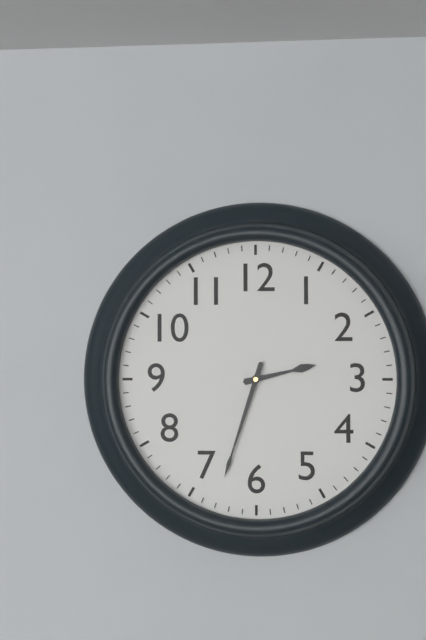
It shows **2:33**
